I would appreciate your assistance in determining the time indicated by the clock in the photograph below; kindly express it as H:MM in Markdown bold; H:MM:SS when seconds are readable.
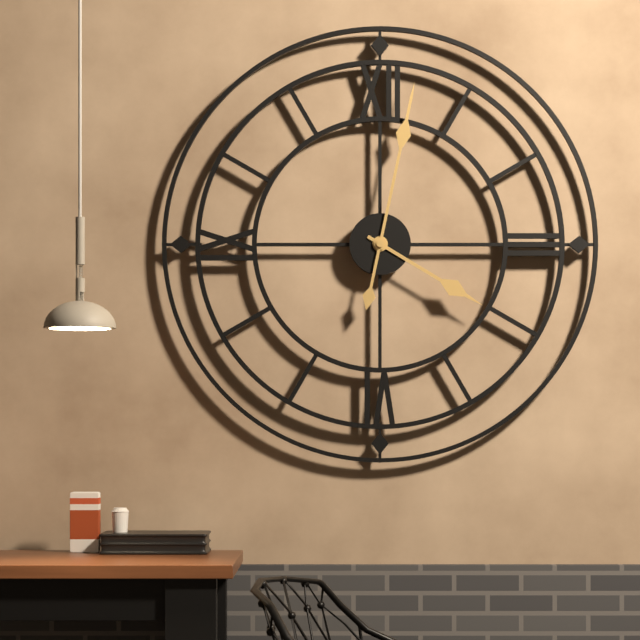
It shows **4:02**
